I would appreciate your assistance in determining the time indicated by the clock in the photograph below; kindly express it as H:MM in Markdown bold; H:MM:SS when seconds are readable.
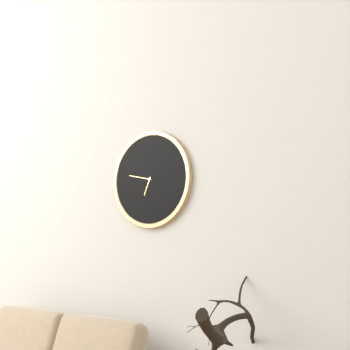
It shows **6:47**
